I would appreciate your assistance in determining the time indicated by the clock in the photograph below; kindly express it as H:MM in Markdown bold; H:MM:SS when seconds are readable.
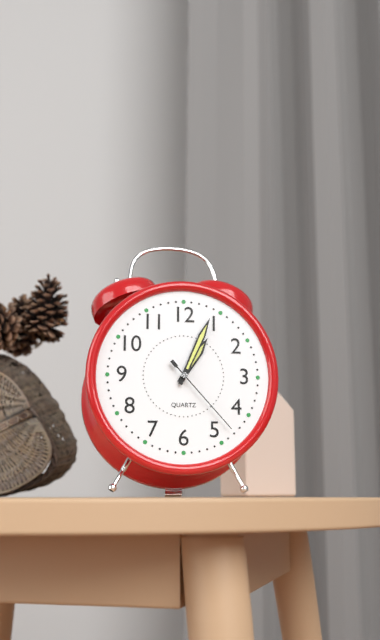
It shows **1:04:23**
